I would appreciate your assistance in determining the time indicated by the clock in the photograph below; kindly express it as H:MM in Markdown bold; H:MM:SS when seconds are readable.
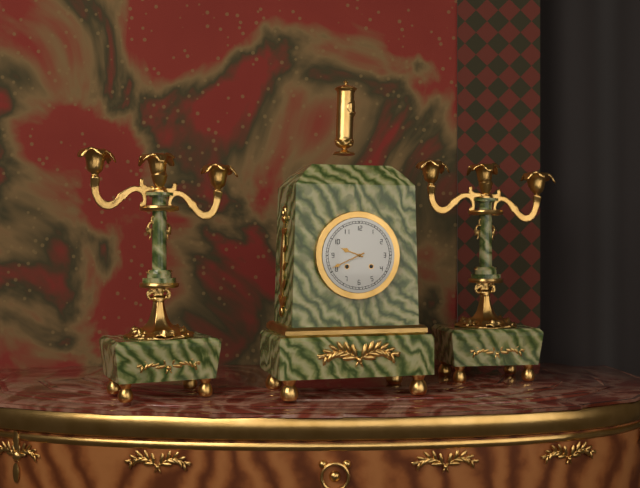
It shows **9:41**
